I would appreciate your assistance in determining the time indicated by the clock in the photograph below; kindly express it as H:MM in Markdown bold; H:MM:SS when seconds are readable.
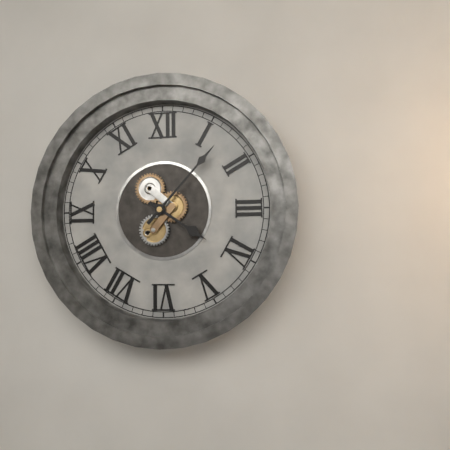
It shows **4:07**
